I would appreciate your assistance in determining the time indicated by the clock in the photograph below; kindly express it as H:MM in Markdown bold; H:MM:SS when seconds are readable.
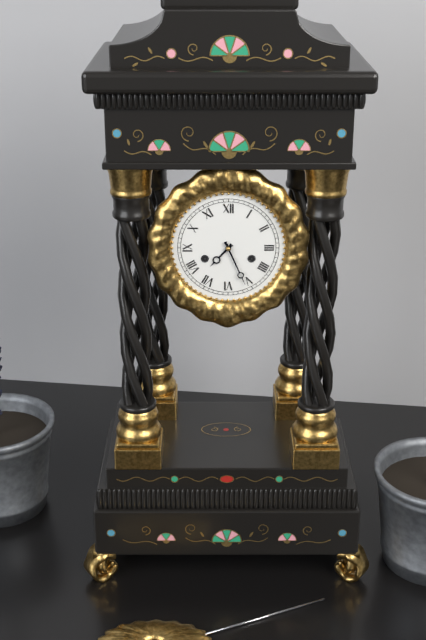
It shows **7:26**
